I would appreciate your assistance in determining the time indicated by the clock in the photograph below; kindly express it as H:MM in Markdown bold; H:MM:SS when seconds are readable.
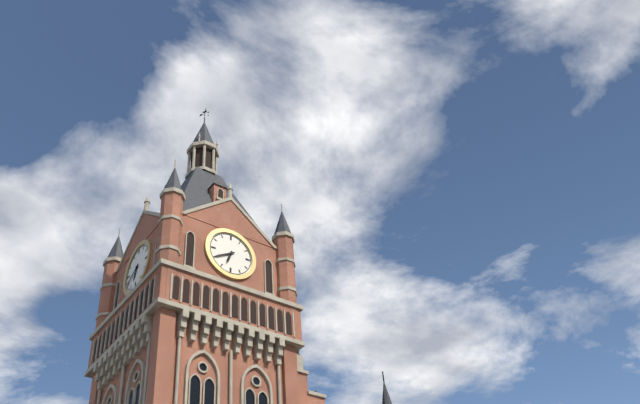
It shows **6:40**
